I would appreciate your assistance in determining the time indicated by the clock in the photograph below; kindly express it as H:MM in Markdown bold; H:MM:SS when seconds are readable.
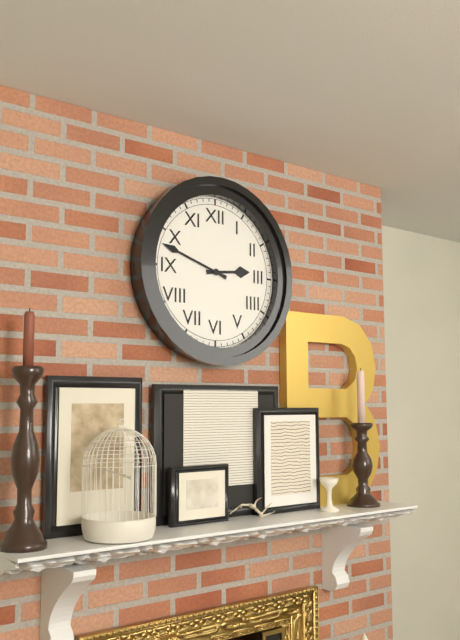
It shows **2:48**
